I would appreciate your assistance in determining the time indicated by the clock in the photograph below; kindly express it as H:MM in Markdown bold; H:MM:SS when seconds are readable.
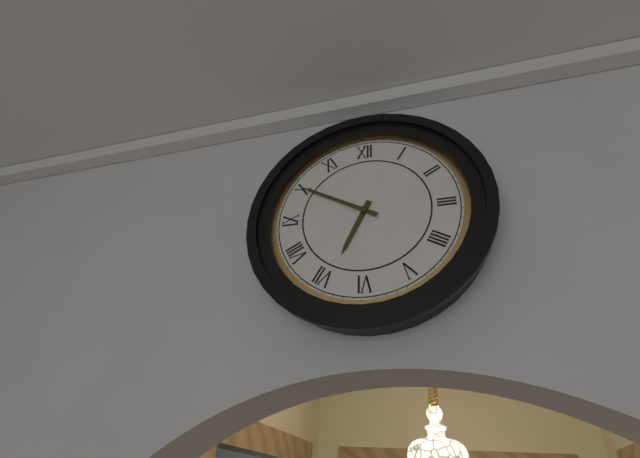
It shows **6:50**
